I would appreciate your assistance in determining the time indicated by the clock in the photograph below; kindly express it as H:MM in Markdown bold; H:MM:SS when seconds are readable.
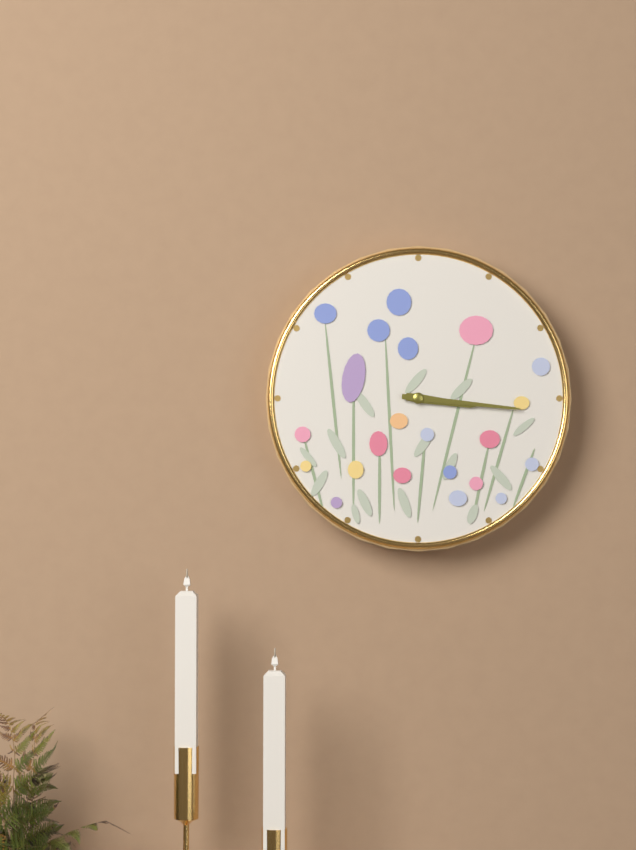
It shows **3:16**
